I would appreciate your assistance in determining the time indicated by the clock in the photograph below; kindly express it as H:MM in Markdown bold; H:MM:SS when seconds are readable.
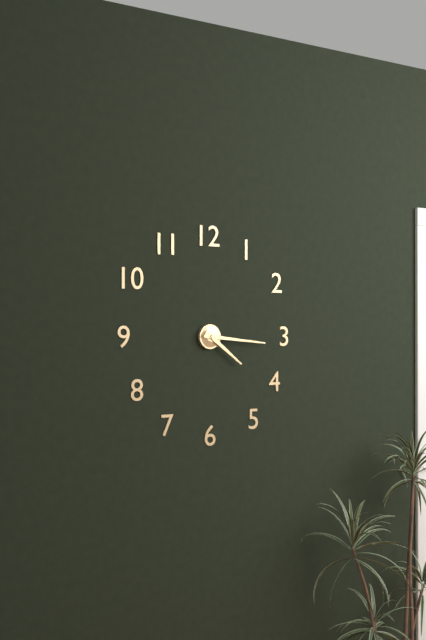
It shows **4:16**
